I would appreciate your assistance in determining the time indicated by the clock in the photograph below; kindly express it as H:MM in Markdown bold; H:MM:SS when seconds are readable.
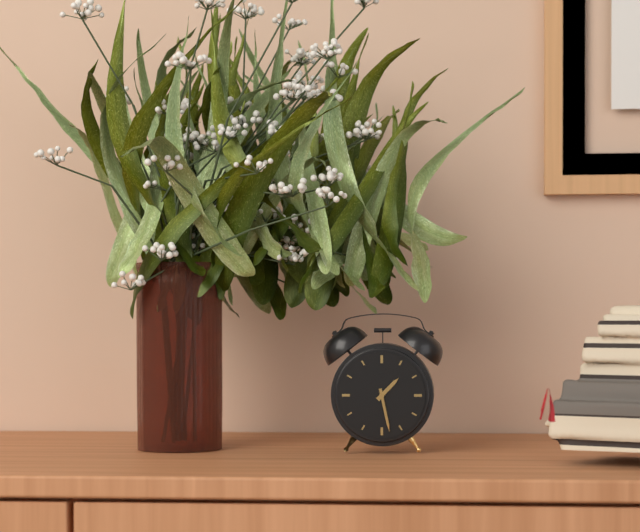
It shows **1:28**
